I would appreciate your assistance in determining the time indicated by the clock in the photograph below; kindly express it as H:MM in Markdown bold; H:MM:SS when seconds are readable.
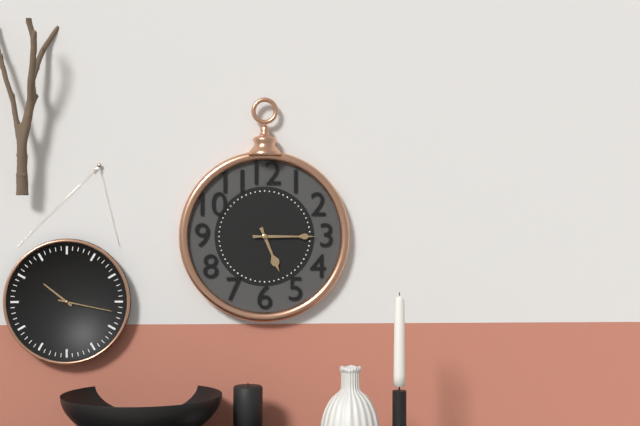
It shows **5:15**
